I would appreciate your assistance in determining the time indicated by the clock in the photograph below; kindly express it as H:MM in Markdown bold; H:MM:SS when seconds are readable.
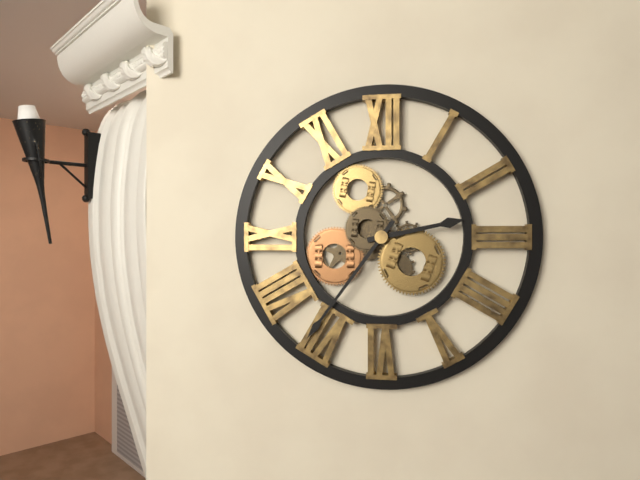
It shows **2:36**
